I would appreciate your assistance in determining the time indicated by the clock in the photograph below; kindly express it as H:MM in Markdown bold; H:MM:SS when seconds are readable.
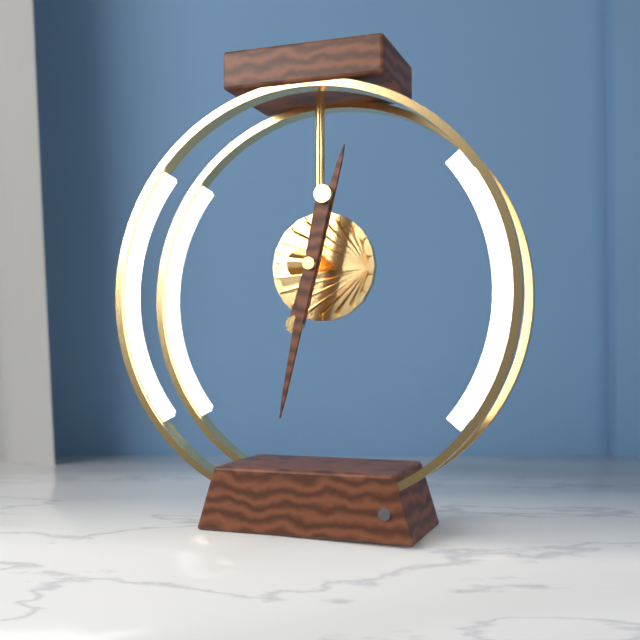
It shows **12:32**
